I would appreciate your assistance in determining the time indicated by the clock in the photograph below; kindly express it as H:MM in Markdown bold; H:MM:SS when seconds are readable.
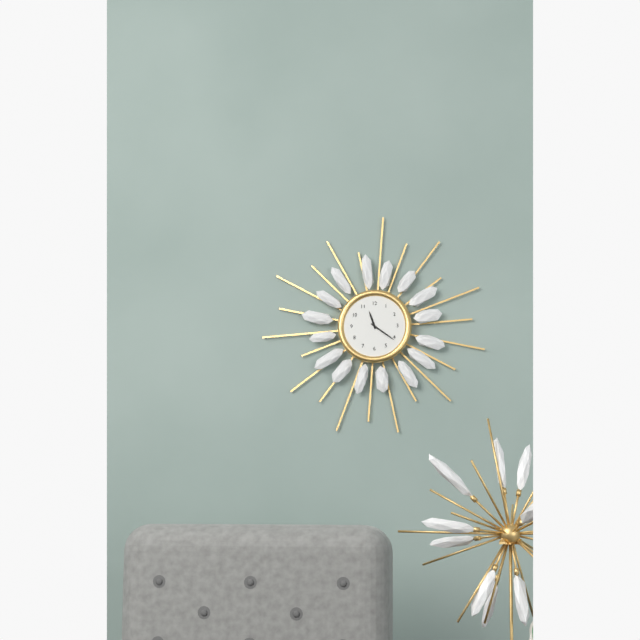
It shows **11:21**
